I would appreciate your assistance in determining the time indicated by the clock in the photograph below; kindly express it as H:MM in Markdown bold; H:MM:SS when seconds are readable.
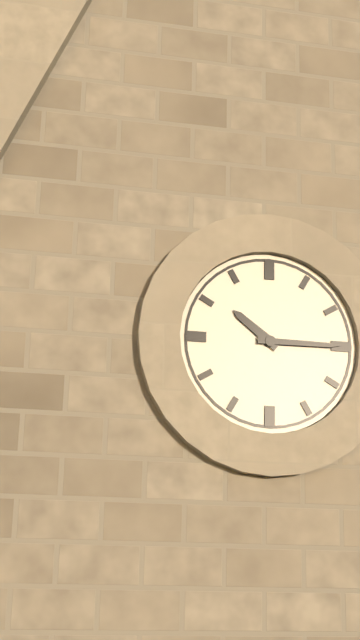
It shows **10:15**
